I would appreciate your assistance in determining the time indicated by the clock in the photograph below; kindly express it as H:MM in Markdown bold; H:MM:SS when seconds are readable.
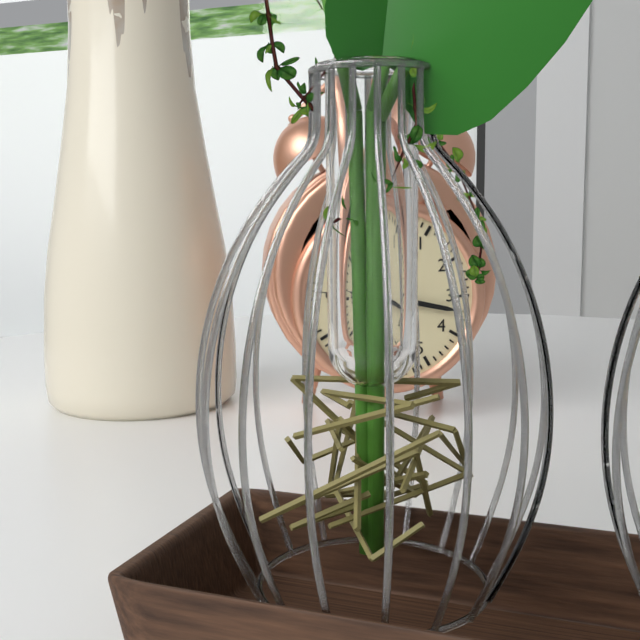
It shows **6:17:46**
